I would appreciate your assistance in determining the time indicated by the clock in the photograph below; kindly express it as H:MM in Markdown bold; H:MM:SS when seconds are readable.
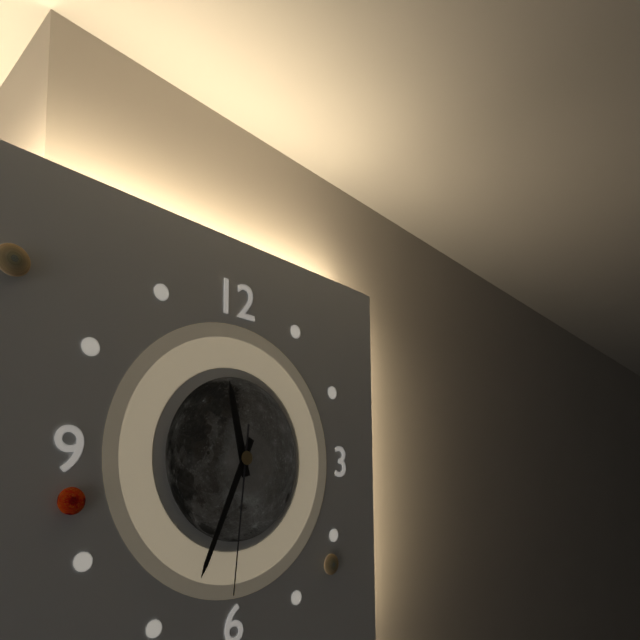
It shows **11:34:31**
